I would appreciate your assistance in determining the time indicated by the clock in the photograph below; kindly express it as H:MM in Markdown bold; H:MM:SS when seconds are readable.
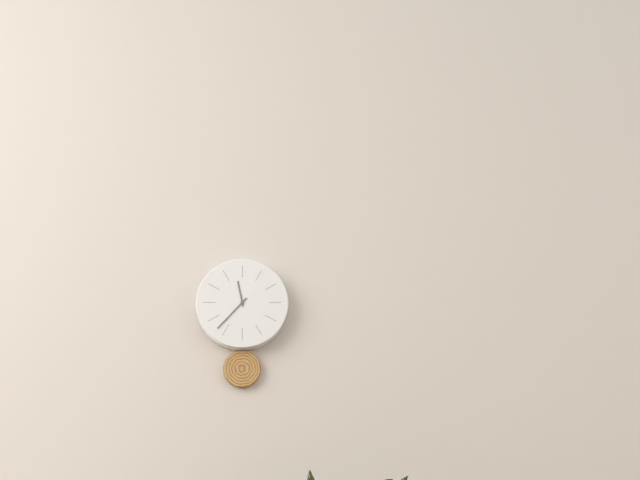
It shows **11:37**
